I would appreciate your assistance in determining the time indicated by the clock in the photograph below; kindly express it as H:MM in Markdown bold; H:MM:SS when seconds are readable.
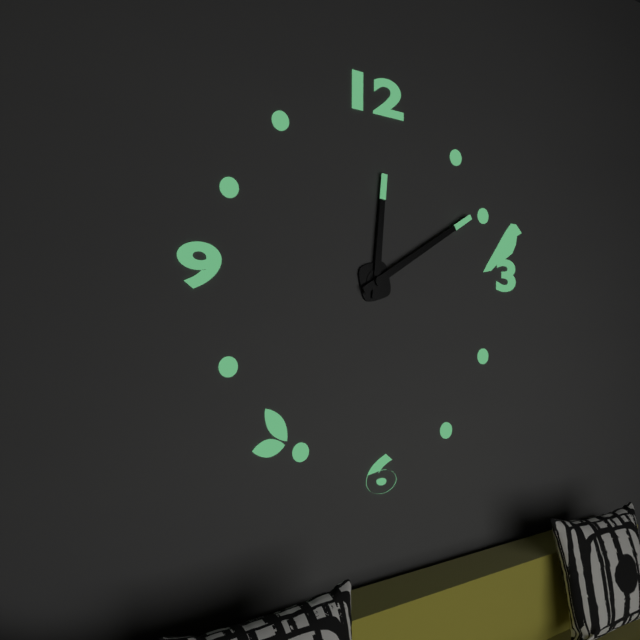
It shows **12:10**
